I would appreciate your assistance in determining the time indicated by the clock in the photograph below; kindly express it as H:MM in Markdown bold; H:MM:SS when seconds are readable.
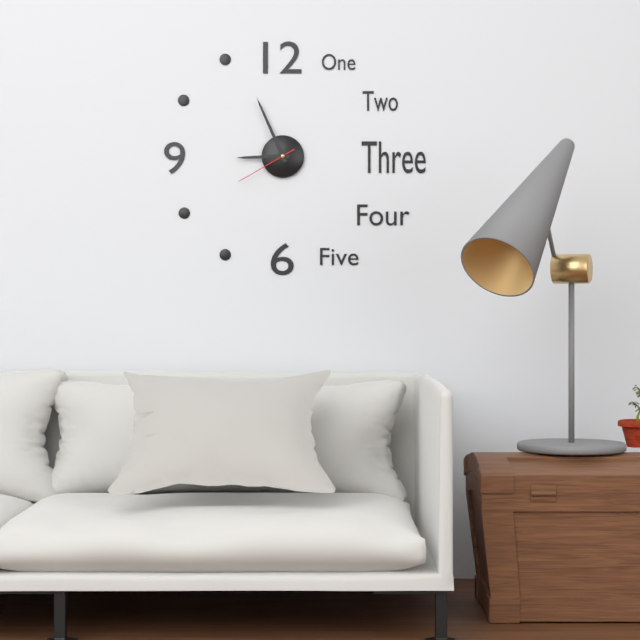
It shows **8:56:40**
